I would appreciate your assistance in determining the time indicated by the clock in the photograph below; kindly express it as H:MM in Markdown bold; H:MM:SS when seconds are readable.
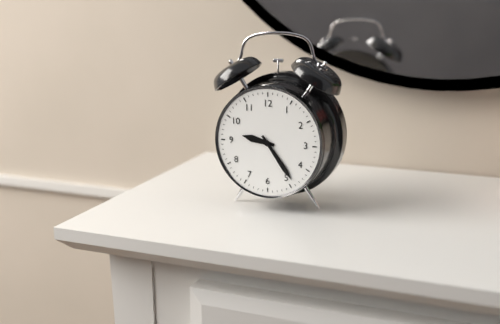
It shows **9:24**
